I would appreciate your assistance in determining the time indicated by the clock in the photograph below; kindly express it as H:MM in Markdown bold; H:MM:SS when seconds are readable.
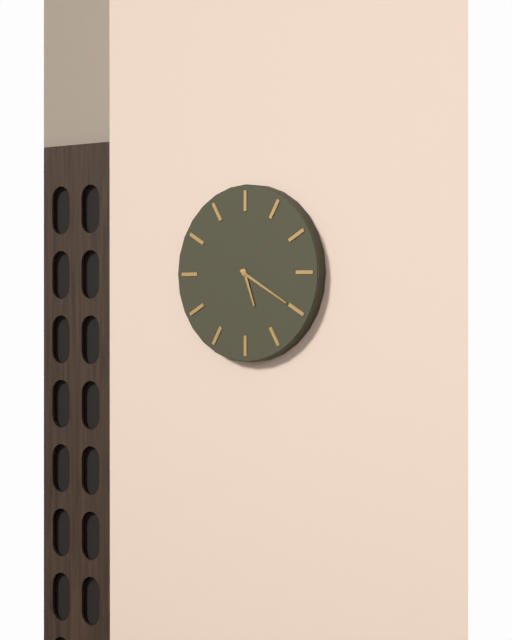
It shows **5:20**
